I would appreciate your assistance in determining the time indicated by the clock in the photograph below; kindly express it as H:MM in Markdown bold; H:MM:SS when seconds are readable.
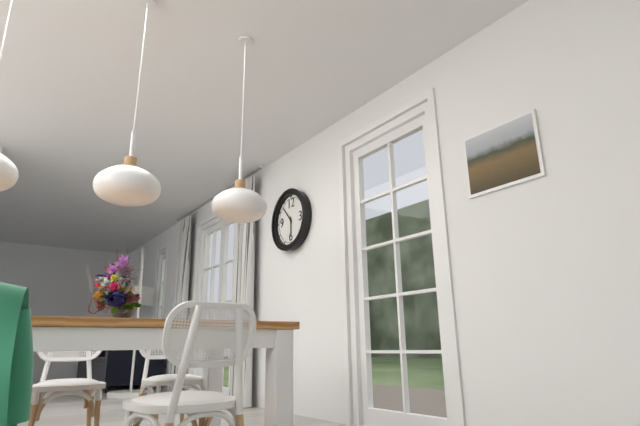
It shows **5:53**
